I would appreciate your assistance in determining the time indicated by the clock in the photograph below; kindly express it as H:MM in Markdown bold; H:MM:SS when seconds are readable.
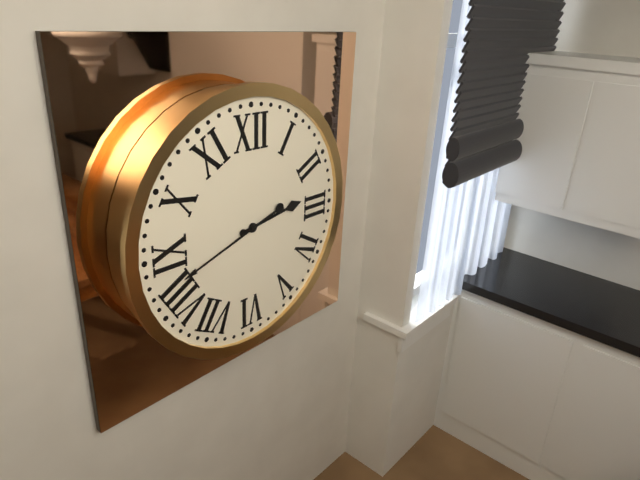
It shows **2:42**
